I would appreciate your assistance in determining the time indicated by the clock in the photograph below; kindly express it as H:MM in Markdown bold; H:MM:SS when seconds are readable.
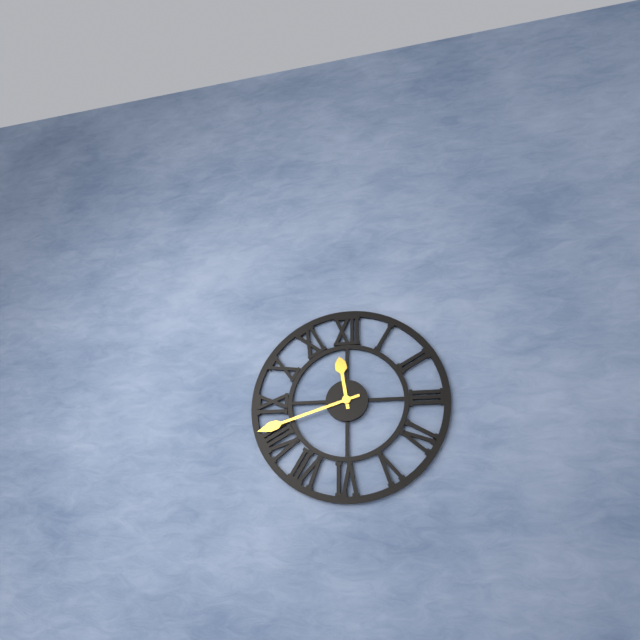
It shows **11:42**
